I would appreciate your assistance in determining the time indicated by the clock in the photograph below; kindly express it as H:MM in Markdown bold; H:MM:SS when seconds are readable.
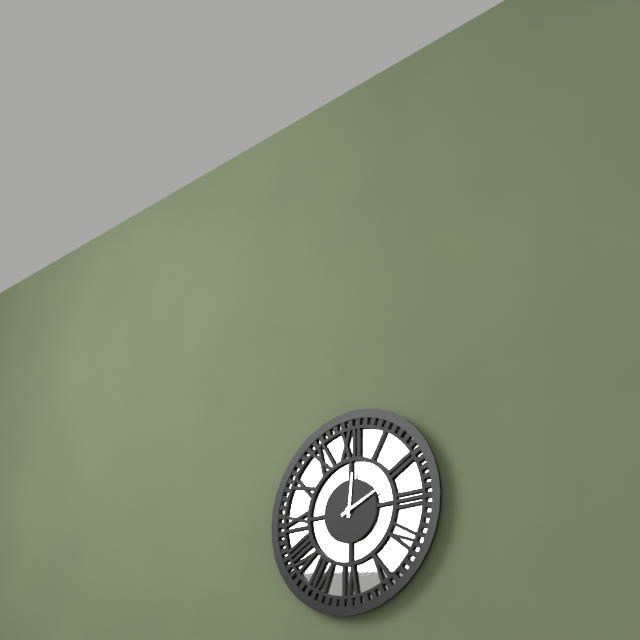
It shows **12:11**
